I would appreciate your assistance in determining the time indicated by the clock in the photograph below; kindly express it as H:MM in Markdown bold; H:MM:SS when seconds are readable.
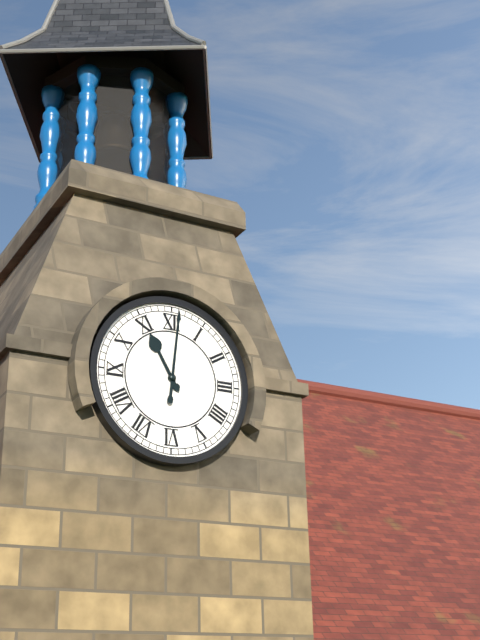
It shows **11:01**
